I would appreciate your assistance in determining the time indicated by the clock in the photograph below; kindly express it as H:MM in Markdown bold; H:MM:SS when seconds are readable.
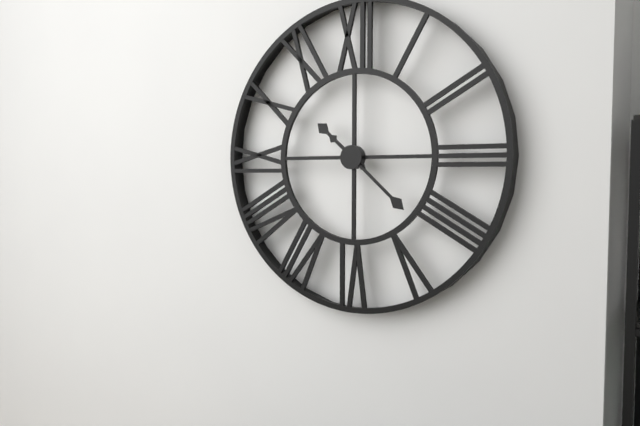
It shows **10:22**
